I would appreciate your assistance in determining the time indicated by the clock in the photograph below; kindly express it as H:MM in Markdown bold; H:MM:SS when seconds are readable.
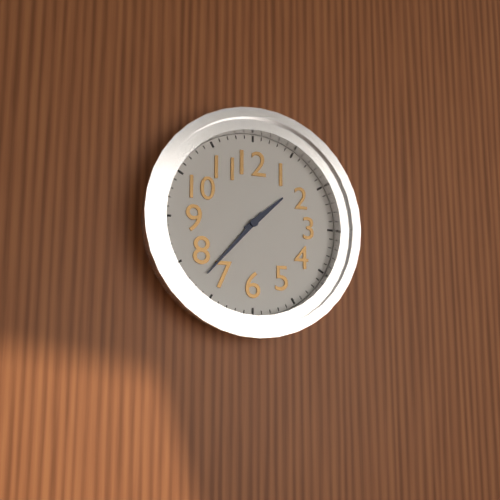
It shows **1:37**
